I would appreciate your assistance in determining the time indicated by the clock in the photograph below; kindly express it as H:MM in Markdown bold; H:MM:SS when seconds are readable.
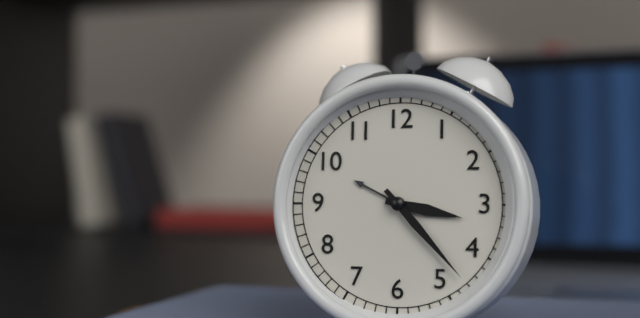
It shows **3:23**
